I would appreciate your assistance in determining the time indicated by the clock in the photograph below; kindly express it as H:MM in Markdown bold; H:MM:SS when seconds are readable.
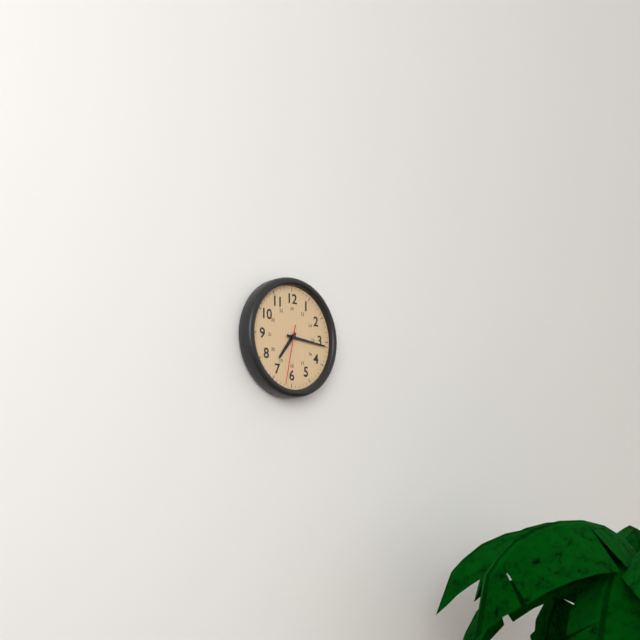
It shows **7:16:32**
